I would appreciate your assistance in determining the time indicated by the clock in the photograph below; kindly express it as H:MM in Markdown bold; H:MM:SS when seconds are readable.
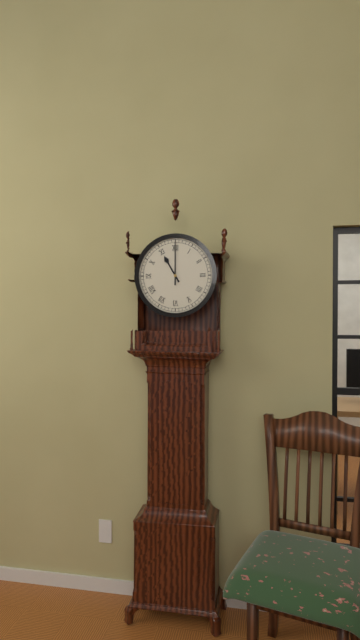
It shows **11:00**
